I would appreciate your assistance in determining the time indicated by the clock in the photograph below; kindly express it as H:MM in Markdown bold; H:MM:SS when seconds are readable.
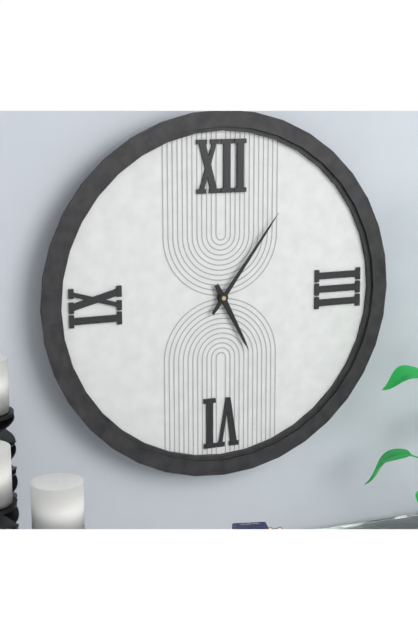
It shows **5:06**
